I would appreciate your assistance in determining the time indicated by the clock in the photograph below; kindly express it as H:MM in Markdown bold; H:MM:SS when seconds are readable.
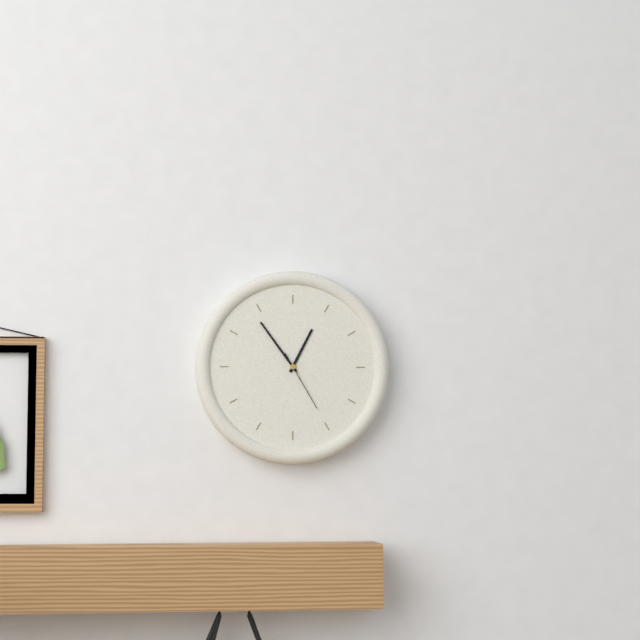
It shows **12:54:25**
